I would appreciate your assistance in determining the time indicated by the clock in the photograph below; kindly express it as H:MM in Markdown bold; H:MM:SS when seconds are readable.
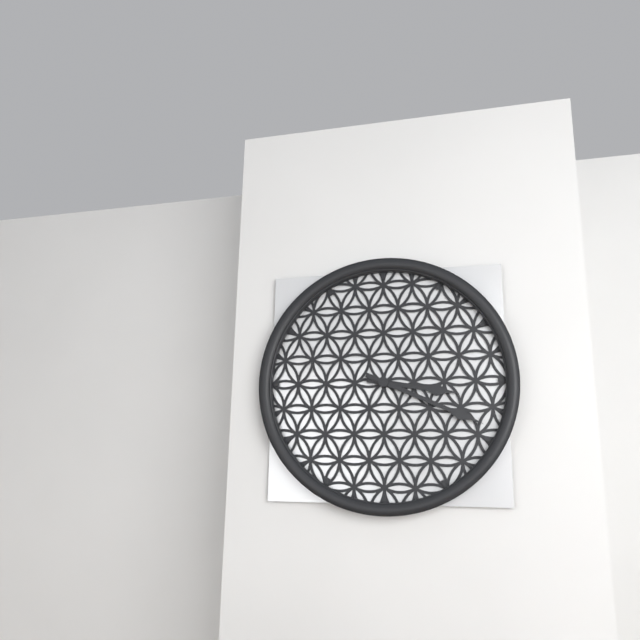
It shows **3:19**
